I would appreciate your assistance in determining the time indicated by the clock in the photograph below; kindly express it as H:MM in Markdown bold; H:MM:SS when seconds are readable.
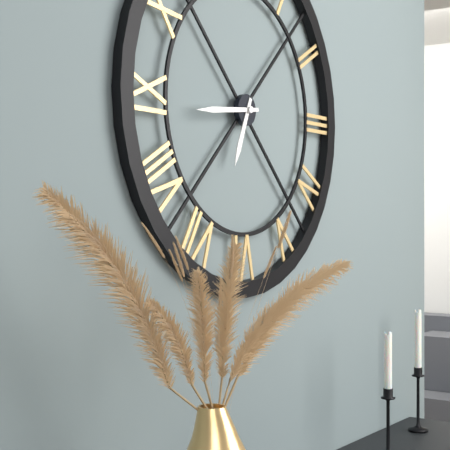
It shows **6:44**
